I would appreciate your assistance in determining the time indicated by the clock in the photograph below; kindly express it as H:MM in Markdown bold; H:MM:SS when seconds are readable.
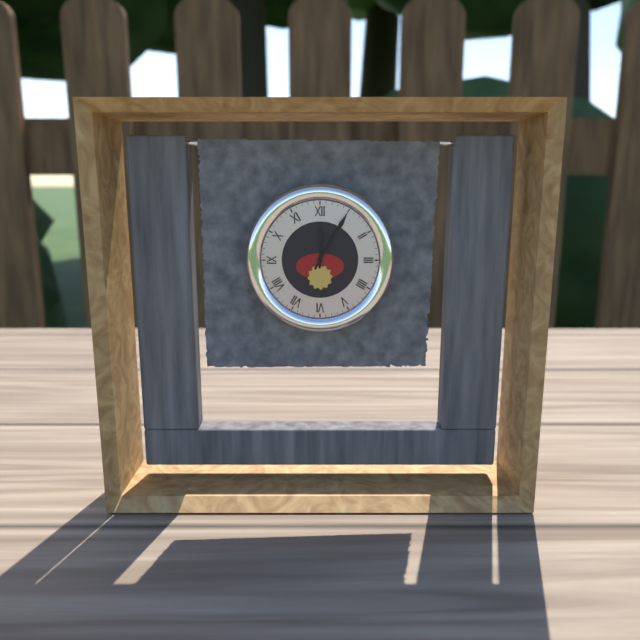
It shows **12:05**
